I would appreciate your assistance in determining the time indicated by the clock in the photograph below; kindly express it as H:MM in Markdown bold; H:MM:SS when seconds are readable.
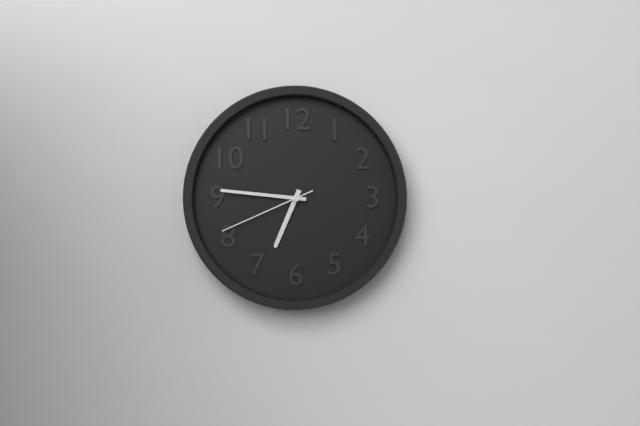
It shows **6:46:41**
